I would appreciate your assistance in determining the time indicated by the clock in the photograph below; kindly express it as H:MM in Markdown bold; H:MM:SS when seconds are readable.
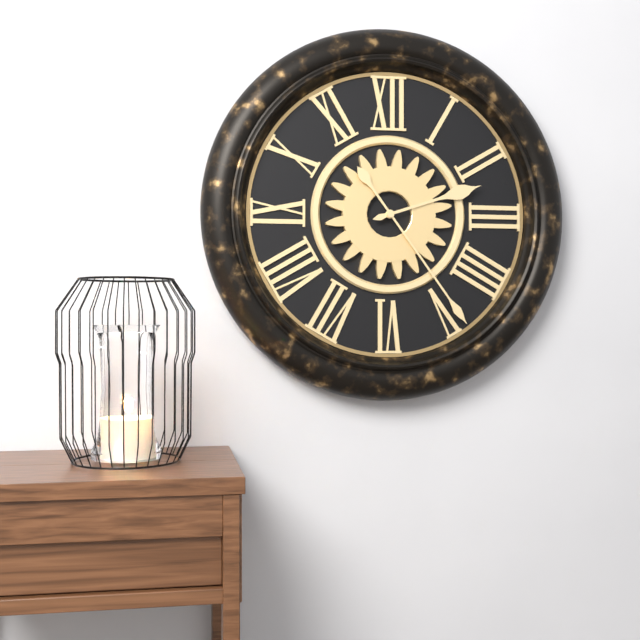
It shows **2:24**
